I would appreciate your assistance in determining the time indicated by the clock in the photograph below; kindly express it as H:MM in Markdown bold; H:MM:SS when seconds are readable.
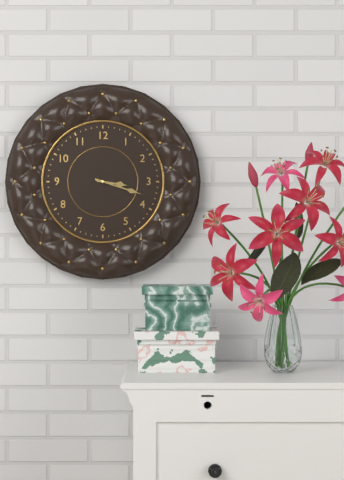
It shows **3:18**
